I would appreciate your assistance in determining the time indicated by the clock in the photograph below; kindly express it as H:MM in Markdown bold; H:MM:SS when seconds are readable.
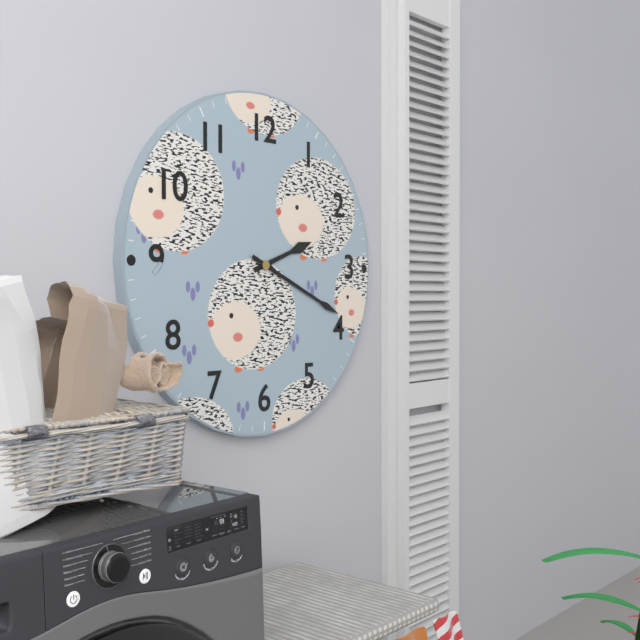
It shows **2:19**
